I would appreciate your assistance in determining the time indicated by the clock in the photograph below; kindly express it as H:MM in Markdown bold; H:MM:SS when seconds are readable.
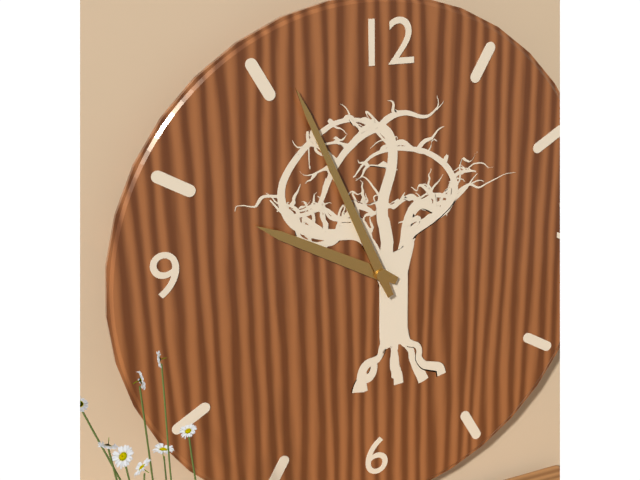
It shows **9:56**
